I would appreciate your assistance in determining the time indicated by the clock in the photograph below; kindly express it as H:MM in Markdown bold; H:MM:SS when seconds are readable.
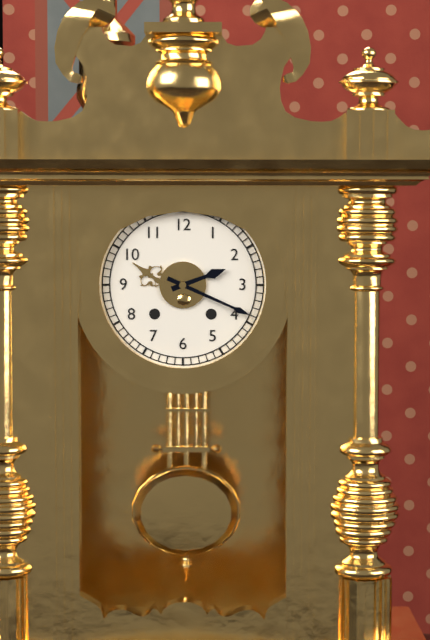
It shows **2:19**
